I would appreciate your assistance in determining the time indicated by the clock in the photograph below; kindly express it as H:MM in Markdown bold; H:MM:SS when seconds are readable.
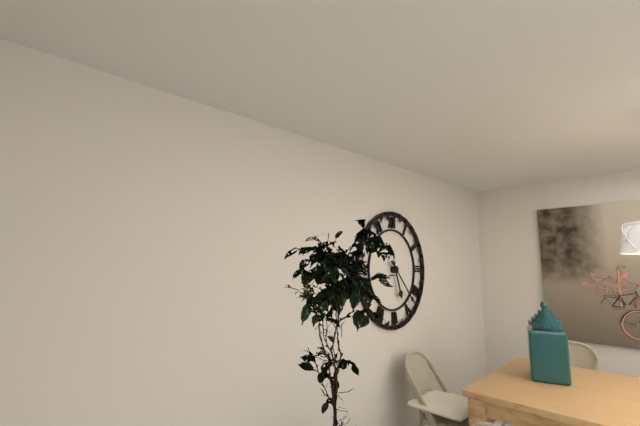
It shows **5:23**
